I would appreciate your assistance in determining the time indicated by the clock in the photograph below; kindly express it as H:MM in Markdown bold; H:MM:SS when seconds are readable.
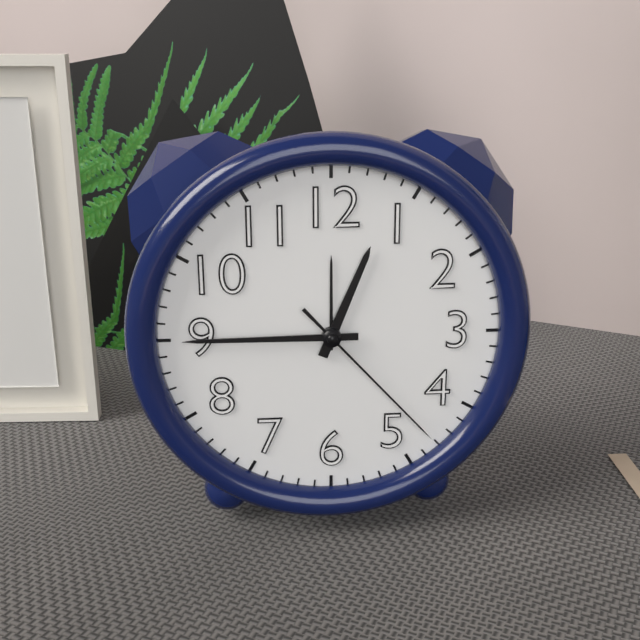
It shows **12:45:23**
